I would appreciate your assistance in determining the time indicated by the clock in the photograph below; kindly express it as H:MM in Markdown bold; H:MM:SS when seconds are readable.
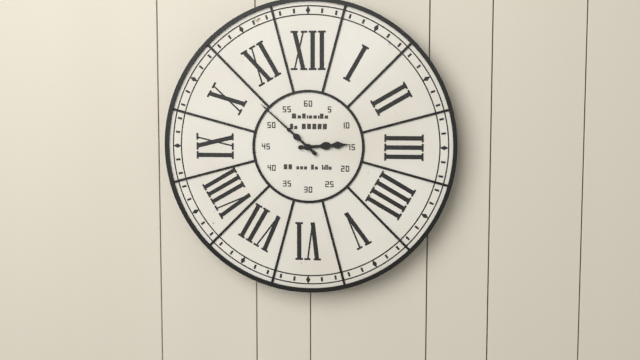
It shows **2:52**
